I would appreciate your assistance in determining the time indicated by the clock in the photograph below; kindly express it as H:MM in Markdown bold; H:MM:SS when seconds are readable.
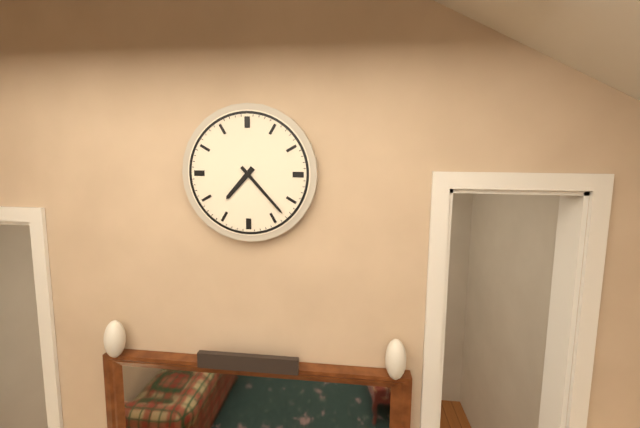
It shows **7:23**
